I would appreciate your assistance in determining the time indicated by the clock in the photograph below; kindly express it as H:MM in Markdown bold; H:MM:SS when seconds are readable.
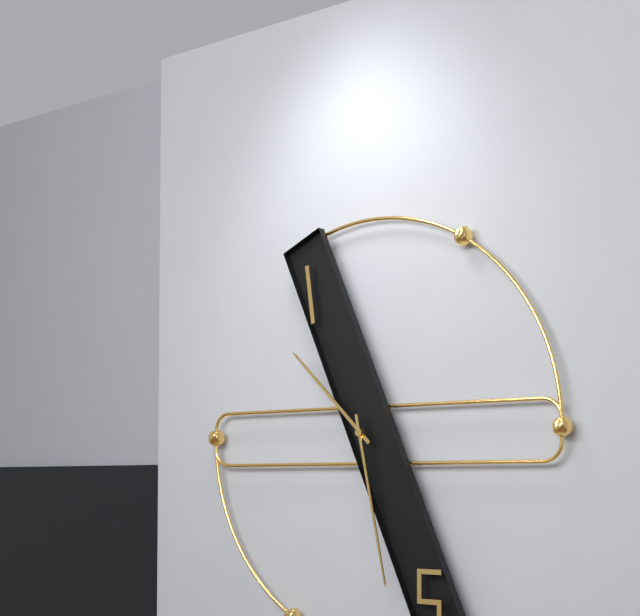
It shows **10:28**
